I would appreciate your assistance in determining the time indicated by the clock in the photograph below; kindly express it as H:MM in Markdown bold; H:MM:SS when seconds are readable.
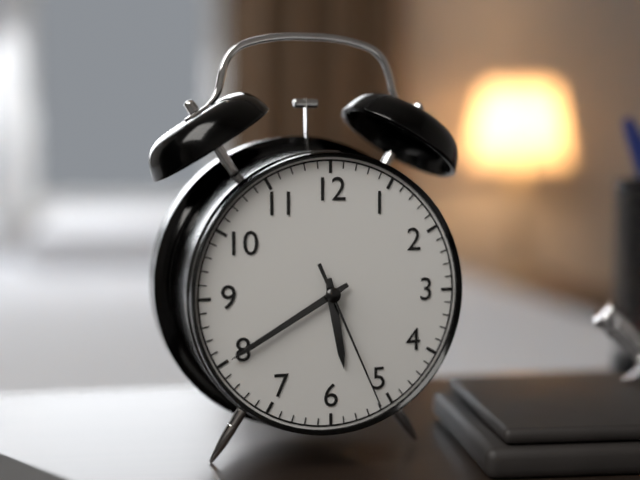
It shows **5:40:26**
